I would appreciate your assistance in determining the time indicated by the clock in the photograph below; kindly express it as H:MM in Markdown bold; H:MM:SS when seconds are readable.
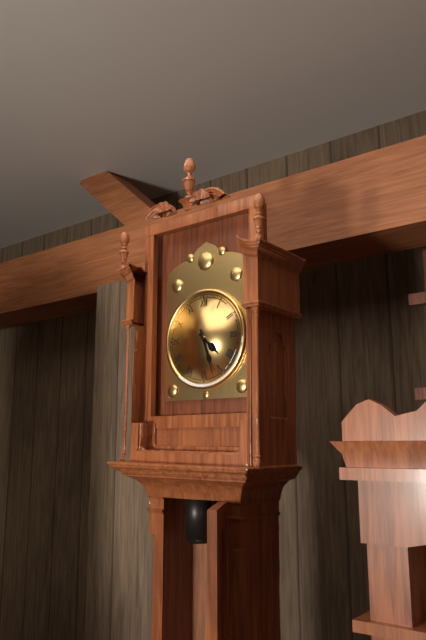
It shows **4:27**
